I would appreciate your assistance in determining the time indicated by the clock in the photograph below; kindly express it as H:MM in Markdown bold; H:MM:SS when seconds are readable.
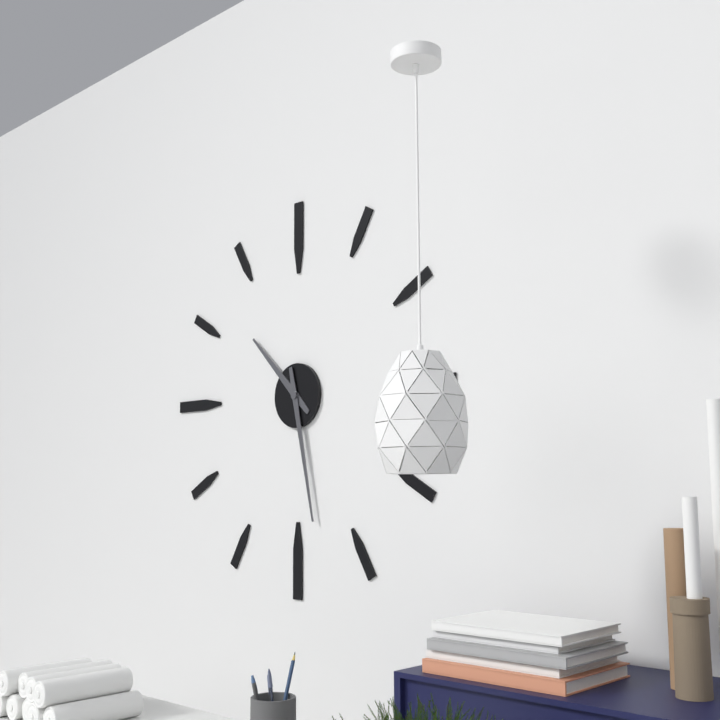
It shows **10:28**
